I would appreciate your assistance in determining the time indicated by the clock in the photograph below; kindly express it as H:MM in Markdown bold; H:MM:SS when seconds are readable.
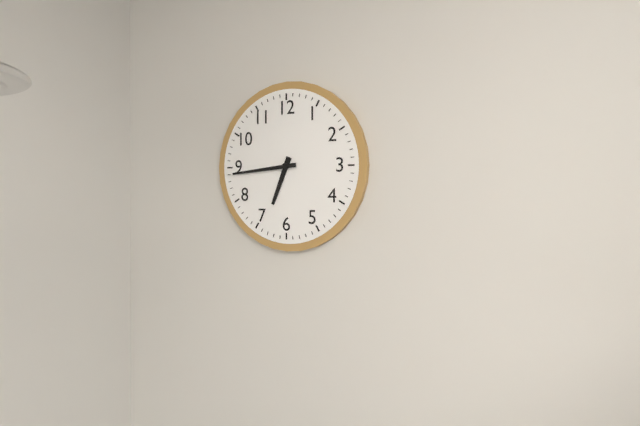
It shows **6:44**
